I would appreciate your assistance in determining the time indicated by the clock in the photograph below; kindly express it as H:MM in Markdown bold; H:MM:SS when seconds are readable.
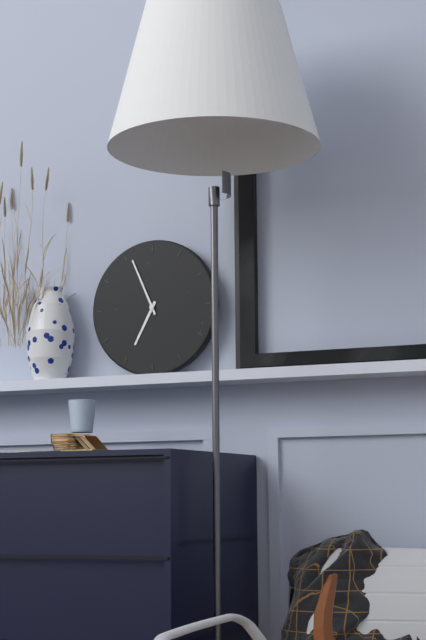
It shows **6:56**
